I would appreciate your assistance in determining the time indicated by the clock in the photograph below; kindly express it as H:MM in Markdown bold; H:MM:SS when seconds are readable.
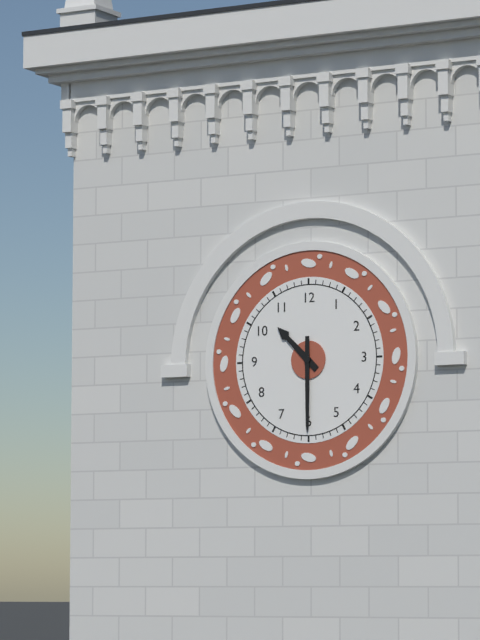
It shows **10:30**
